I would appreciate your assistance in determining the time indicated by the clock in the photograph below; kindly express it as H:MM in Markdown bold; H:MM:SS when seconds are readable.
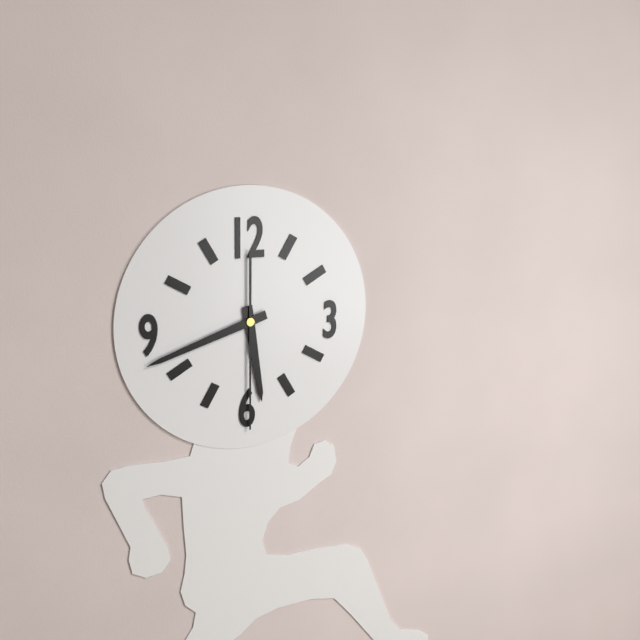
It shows **5:42:30**
